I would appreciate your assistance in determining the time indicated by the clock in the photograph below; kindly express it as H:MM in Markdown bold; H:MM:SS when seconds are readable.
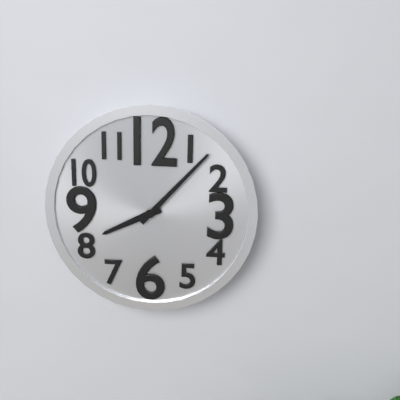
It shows **8:07**
